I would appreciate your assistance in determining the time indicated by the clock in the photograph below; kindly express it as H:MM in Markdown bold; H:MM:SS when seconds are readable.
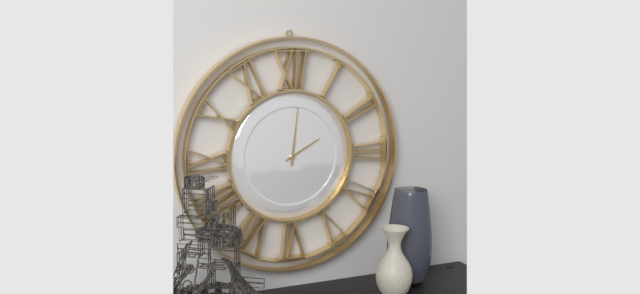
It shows **2:01**
